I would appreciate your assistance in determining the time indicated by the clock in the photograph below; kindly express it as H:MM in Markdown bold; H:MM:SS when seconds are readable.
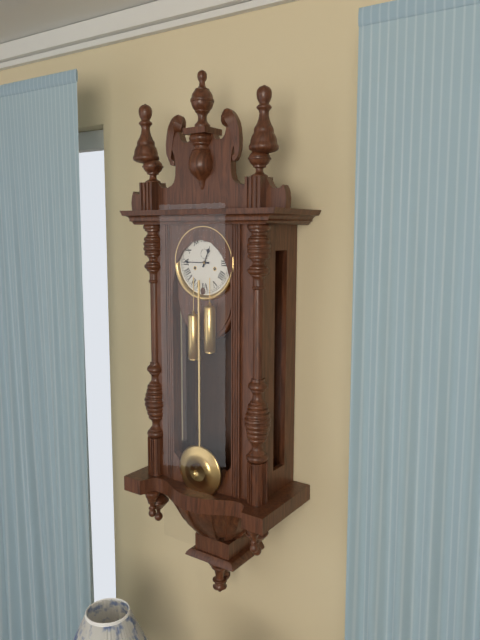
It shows **12:45**
